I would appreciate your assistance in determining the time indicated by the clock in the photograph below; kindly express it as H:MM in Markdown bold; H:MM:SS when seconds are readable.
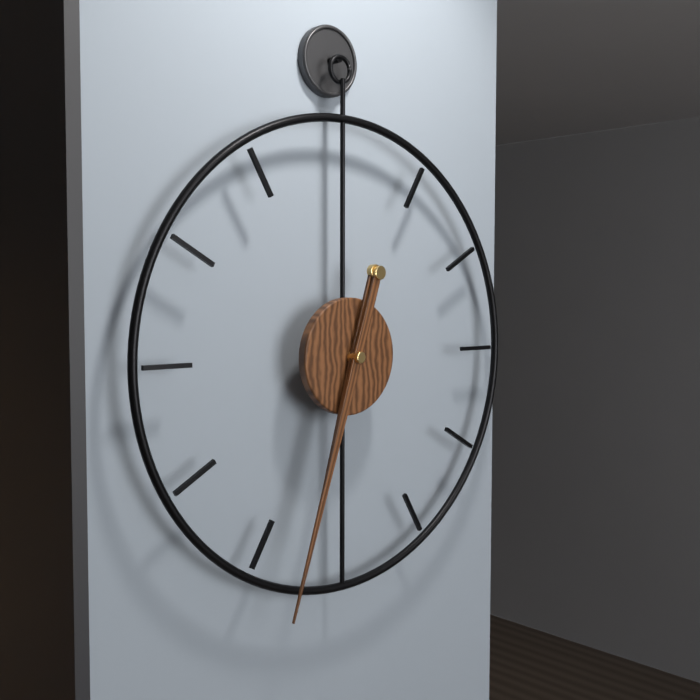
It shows **6:33**
